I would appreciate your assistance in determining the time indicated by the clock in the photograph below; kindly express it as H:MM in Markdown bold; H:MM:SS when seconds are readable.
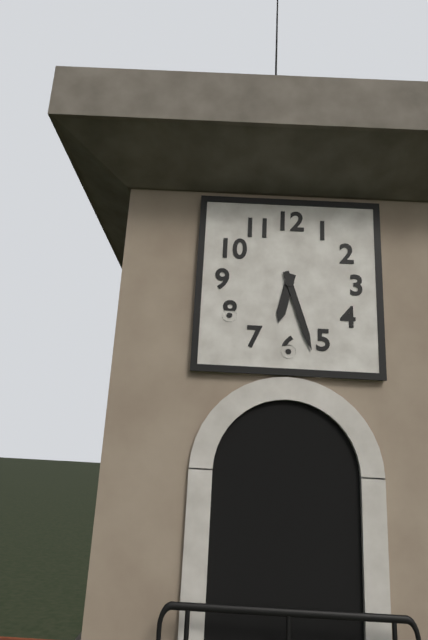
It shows **6:27**
